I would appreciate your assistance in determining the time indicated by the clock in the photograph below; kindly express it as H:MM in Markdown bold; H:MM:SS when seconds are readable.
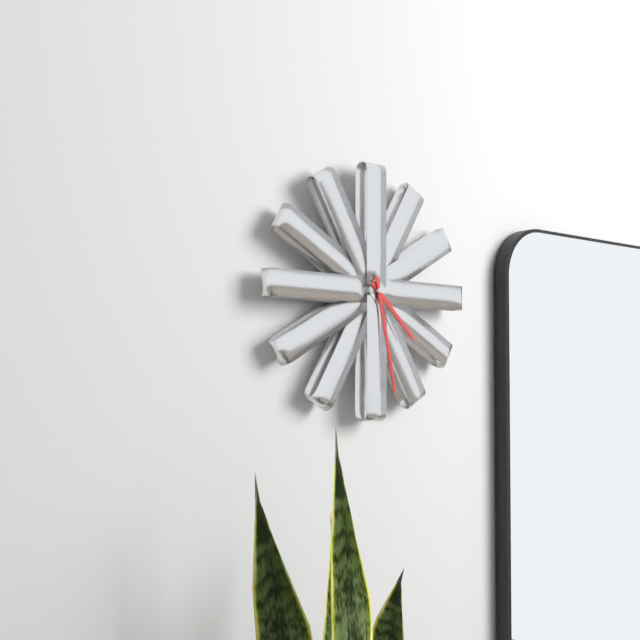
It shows **4:28**
